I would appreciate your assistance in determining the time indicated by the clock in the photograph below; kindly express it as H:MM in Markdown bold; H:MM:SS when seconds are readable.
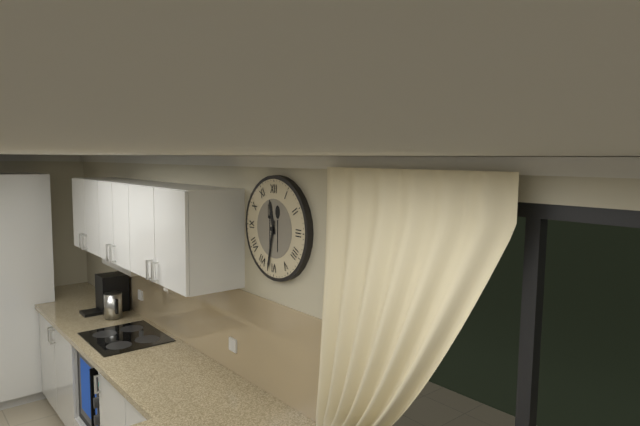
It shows **11:32**
